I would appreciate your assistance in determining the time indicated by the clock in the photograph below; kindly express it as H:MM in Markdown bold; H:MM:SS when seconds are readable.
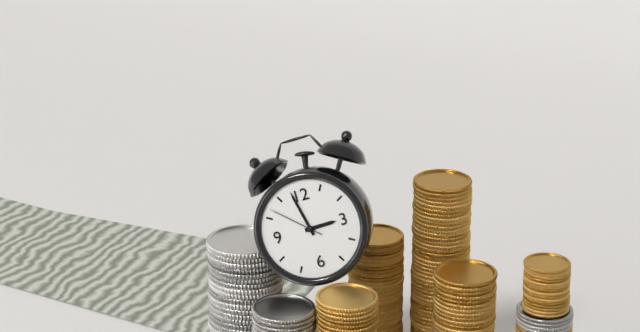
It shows **2:58:52**
